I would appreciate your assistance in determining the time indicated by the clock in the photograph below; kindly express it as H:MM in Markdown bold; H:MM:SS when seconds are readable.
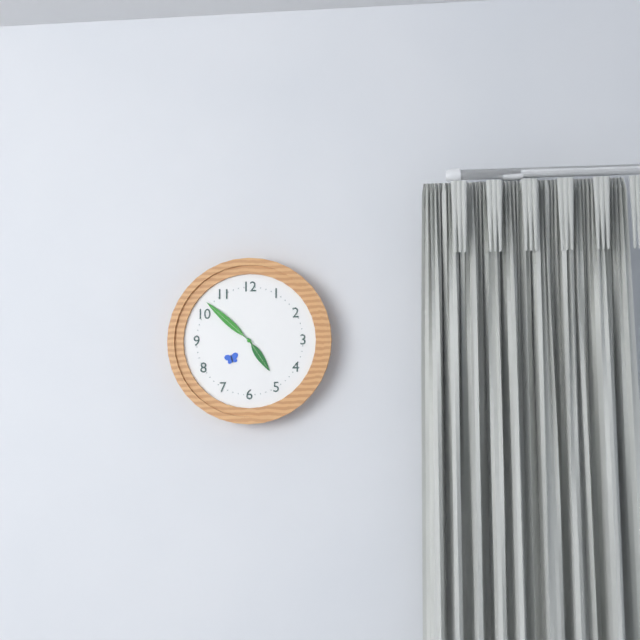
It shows **4:52**
